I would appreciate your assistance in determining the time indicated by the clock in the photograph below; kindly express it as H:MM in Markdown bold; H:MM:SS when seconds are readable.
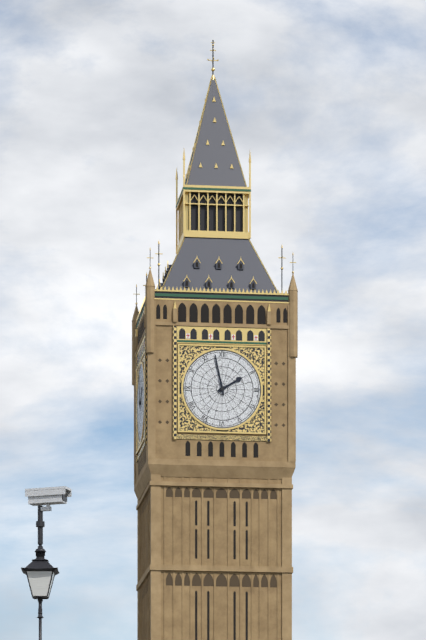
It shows **1:58**
